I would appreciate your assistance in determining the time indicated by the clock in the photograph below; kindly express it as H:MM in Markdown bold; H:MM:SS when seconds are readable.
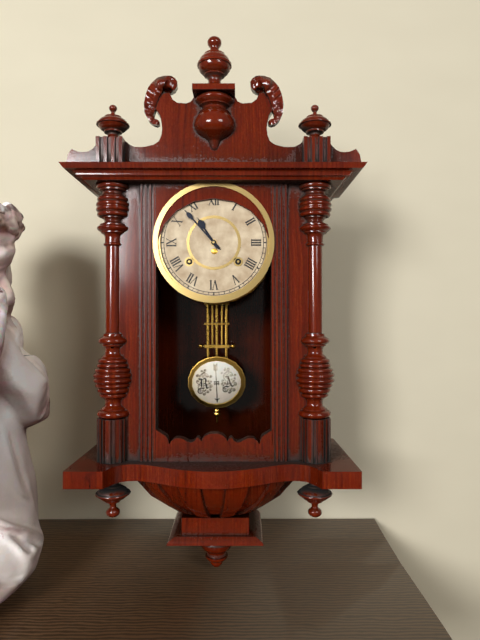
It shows **10:53**
